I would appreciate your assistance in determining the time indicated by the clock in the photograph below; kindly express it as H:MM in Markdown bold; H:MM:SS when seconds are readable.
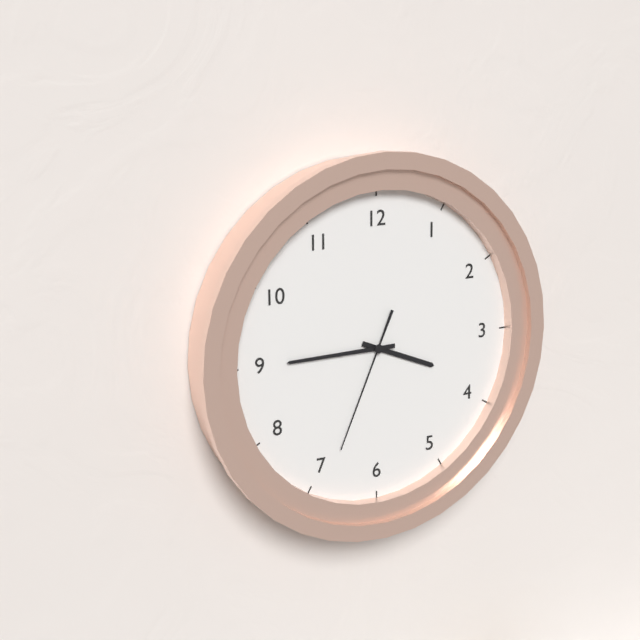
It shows **3:45:34**
